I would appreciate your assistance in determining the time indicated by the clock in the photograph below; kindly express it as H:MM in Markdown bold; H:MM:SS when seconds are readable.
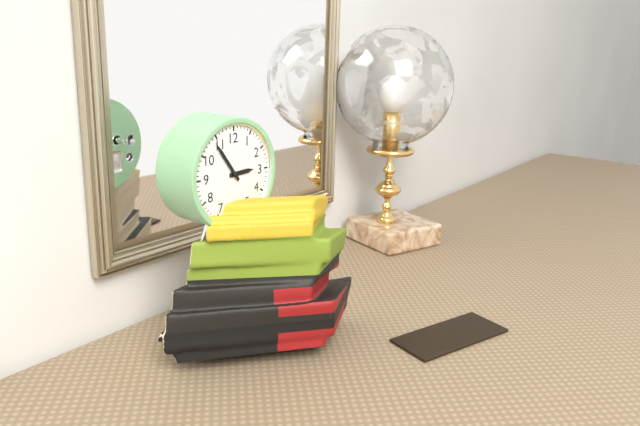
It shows **2:54**
